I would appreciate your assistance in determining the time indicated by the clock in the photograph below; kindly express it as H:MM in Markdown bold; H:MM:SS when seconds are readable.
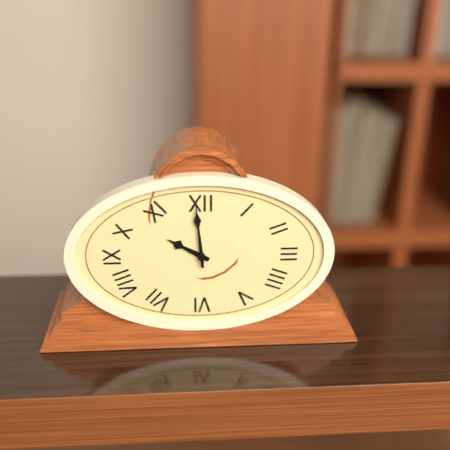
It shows **9:59**
